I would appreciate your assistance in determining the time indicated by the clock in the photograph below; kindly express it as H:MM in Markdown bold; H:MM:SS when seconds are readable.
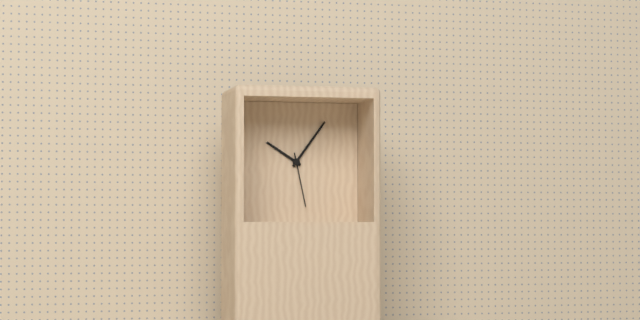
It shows **10:06:28**
